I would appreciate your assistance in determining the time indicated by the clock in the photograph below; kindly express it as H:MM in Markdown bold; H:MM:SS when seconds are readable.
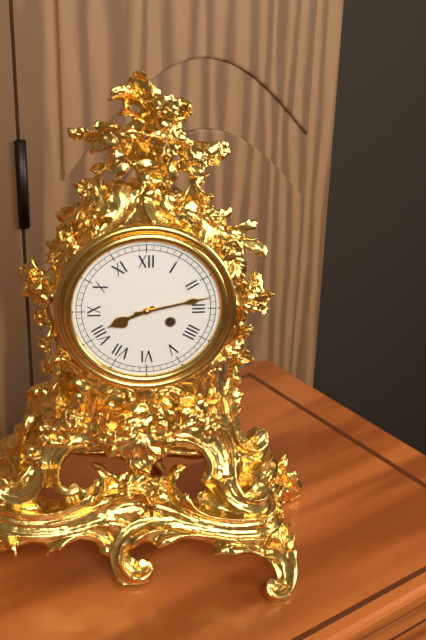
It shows **8:13**
